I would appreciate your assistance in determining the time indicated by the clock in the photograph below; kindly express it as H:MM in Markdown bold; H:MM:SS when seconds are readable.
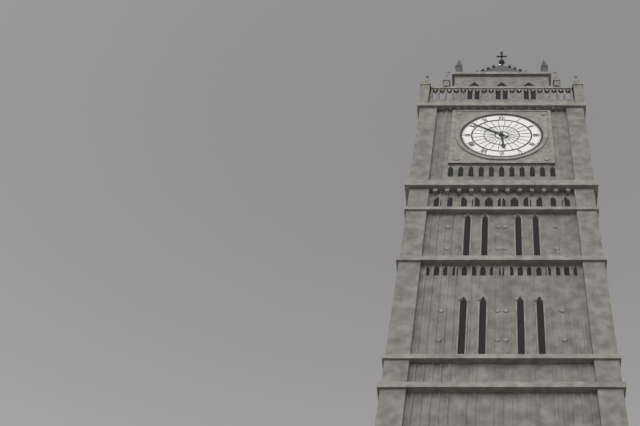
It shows **5:51**
